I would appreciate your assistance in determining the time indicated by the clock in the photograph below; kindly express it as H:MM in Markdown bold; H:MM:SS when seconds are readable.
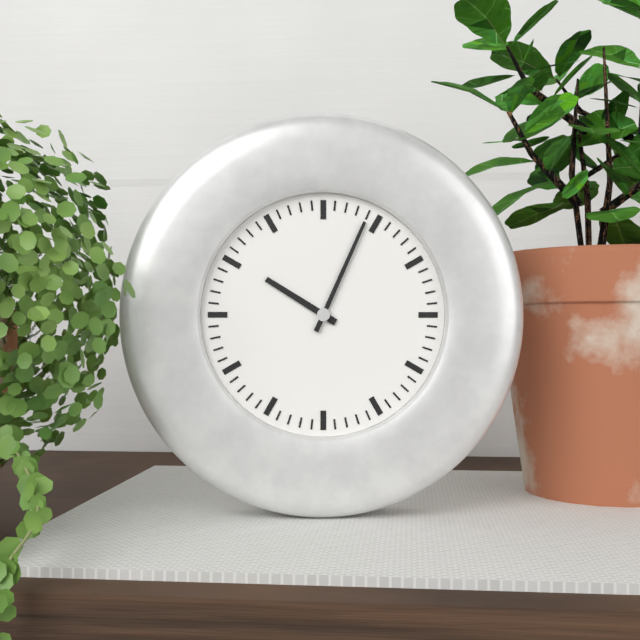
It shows **10:04**
